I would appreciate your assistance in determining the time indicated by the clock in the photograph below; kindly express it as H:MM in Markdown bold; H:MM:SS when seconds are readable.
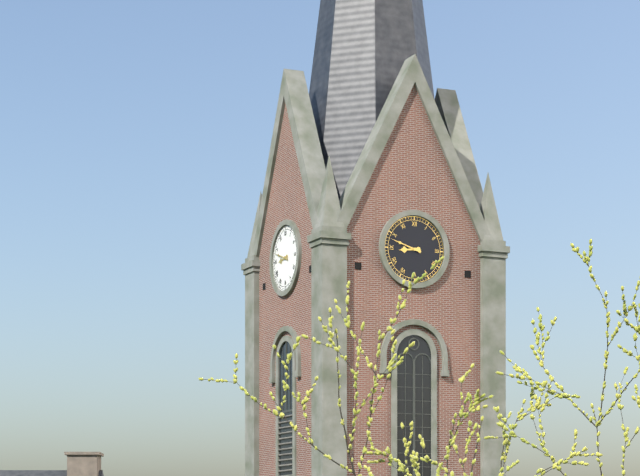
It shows **8:48**
